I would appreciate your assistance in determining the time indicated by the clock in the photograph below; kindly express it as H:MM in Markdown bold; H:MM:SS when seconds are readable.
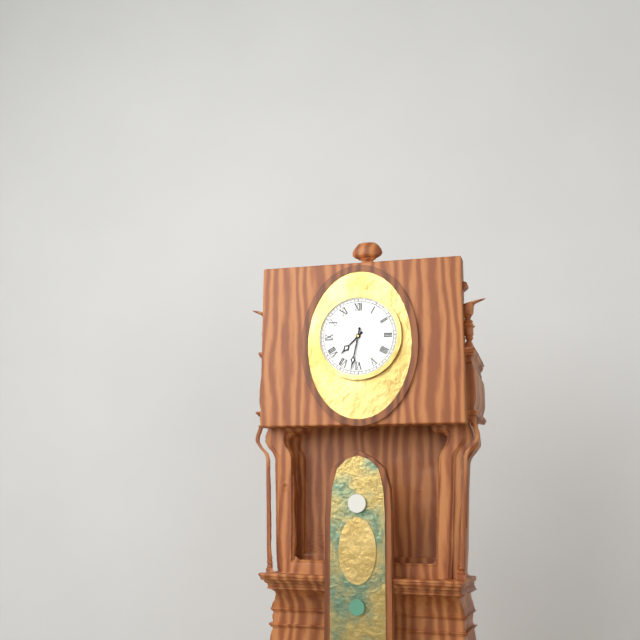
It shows **7:32**
